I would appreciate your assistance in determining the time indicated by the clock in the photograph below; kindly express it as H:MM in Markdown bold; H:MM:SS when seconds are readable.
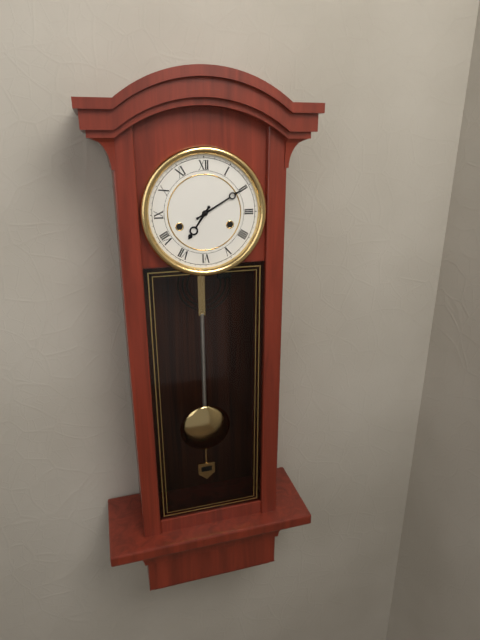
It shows **7:10**
